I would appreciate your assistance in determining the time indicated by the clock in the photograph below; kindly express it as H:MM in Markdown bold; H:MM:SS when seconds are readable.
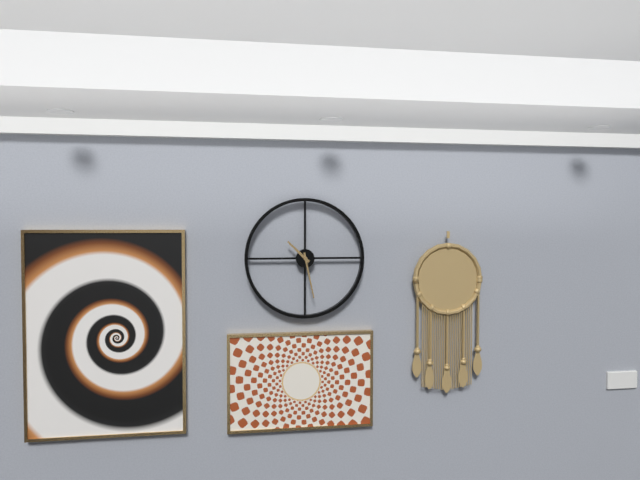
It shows **10:28**
